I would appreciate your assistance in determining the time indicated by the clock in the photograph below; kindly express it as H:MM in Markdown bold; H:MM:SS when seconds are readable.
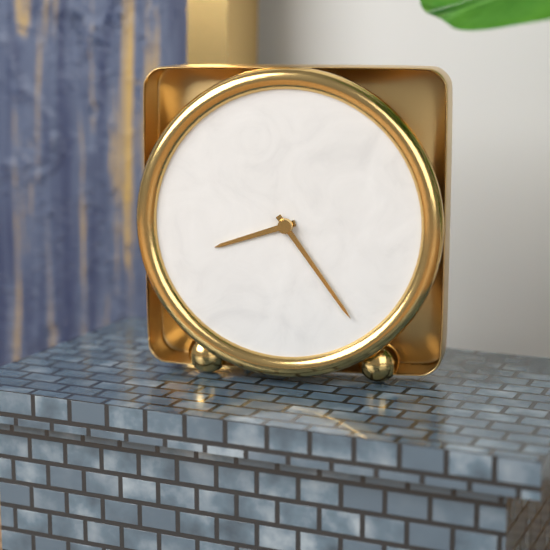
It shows **8:24**
